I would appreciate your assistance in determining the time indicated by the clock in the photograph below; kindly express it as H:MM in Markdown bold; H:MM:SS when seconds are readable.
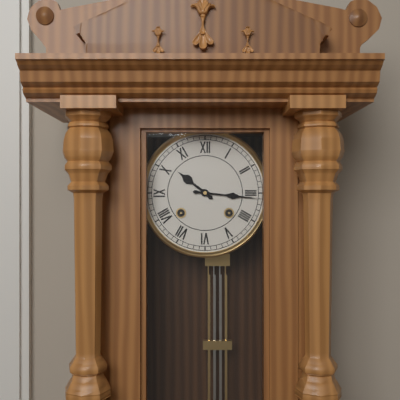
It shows **10:16**
